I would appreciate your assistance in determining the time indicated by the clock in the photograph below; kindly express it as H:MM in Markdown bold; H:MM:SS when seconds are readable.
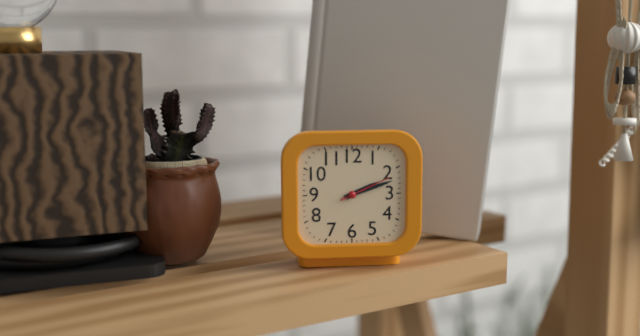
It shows **2:12:11**
